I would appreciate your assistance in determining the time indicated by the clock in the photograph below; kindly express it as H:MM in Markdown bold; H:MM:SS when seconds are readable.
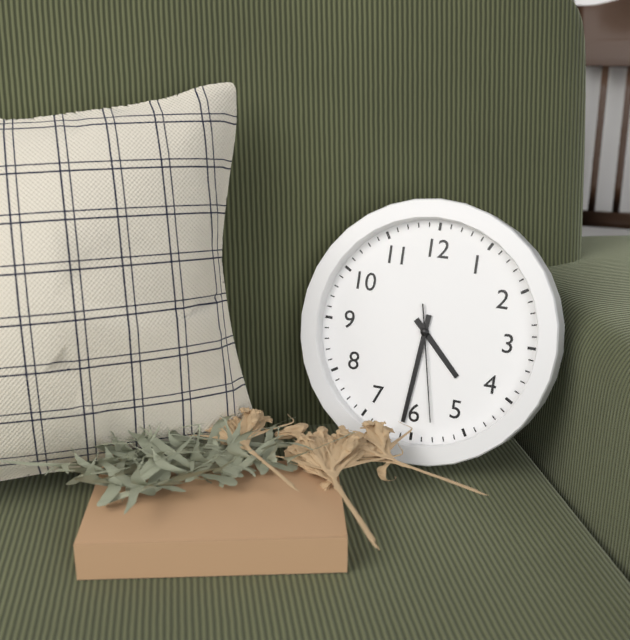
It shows **4:31:28**
